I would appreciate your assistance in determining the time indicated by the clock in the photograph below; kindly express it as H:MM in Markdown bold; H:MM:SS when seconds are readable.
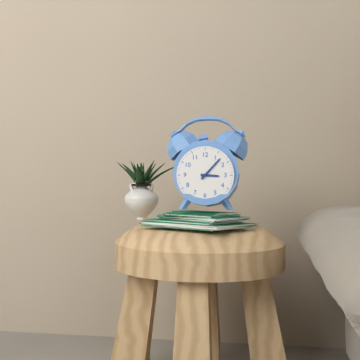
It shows **3:07**
